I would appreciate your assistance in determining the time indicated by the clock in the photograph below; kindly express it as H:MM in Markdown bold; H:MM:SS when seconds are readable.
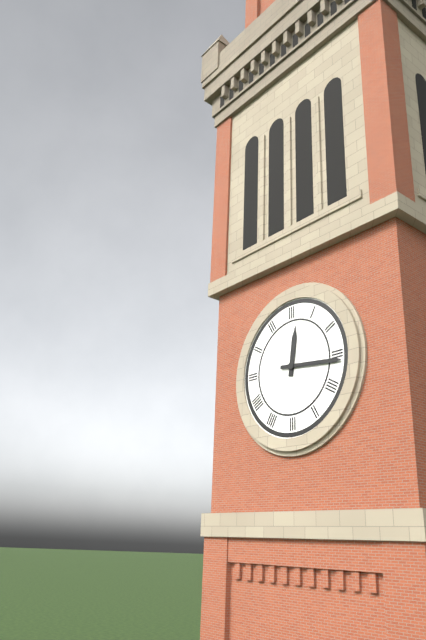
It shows **12:16**
